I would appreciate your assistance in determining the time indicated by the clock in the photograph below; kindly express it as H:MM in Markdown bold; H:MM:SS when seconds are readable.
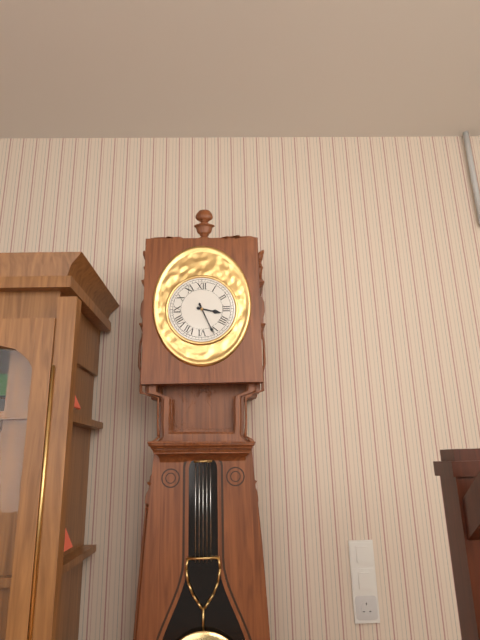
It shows **3:26**
